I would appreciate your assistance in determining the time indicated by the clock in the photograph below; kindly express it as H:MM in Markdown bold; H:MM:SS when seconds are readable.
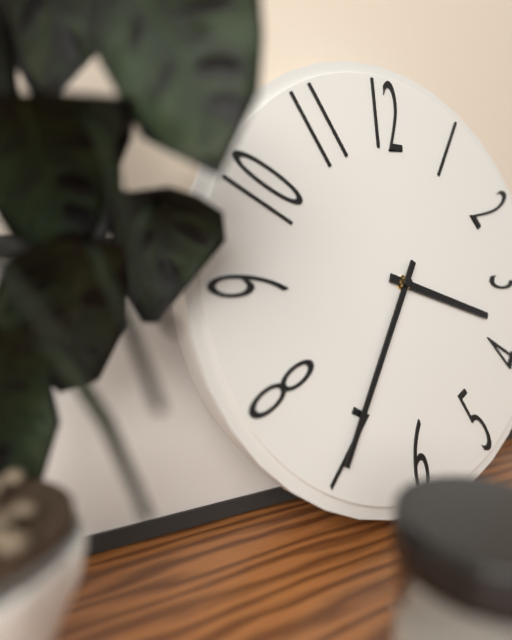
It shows **3:35**
